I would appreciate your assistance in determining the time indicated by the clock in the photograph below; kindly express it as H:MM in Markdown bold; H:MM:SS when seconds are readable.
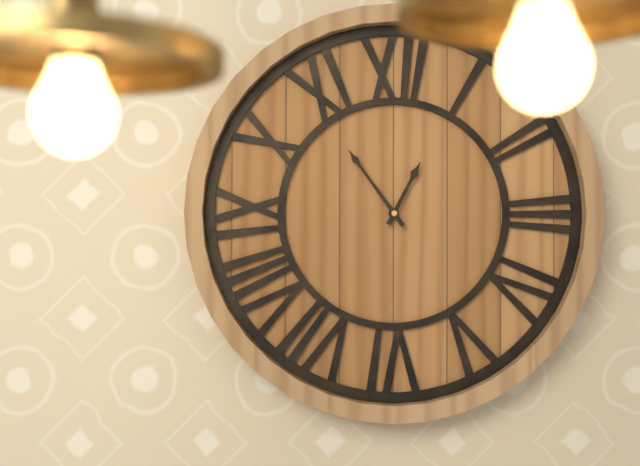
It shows **12:54**
